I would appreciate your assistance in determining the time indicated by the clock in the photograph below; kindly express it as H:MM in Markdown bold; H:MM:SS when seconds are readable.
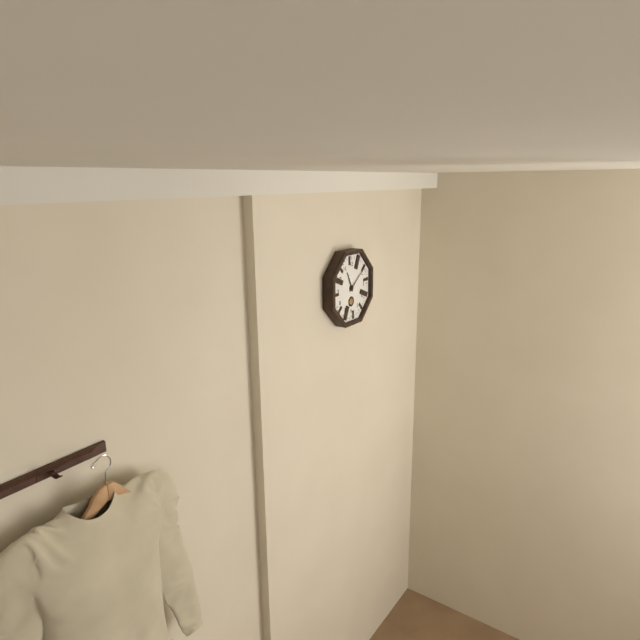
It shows **11:09**
